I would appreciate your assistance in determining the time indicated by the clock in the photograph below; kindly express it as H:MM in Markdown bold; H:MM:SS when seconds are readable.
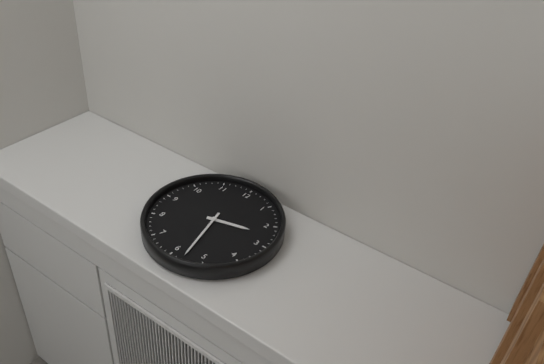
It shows **2:28**
